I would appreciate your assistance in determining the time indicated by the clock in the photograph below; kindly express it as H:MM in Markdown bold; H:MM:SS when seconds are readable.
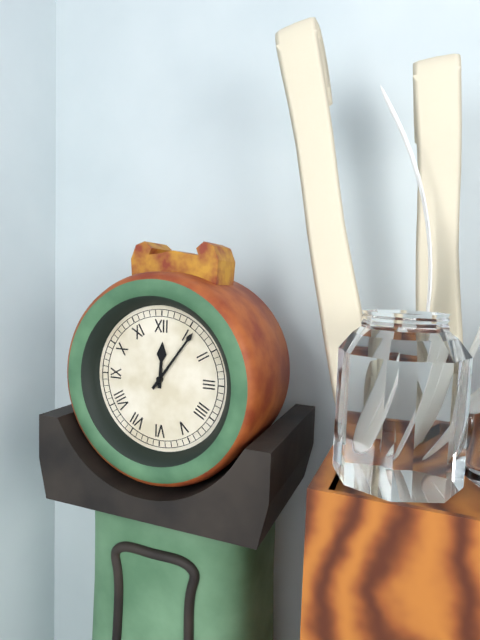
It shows **12:06**
